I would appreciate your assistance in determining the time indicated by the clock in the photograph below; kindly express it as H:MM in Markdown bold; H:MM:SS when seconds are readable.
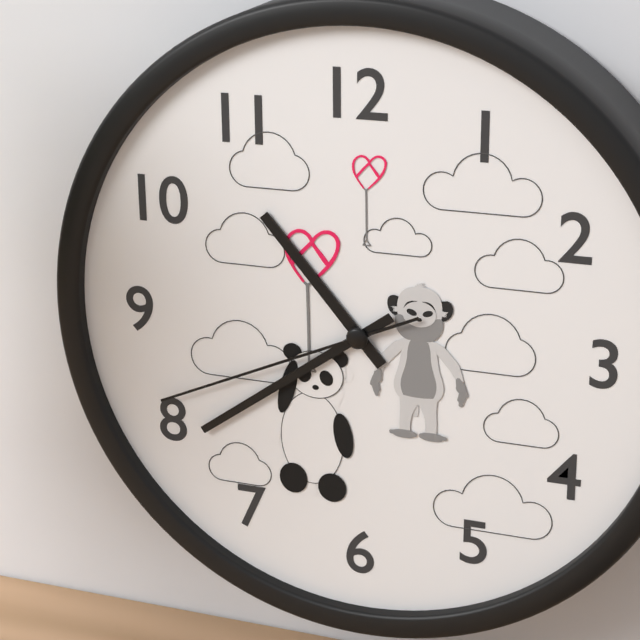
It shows **10:39:41**
